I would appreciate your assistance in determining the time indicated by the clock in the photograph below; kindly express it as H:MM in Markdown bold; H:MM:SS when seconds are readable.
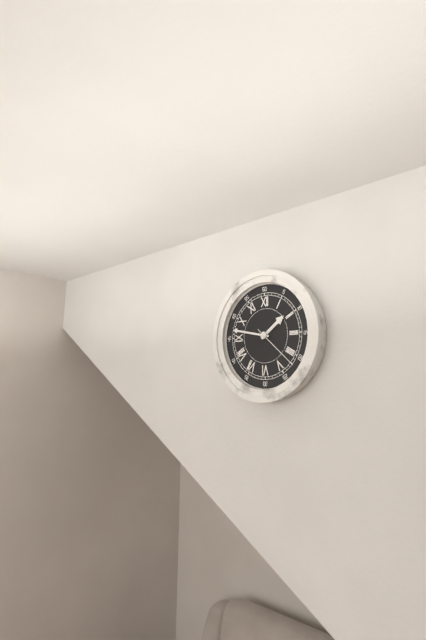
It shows **1:47:22**
